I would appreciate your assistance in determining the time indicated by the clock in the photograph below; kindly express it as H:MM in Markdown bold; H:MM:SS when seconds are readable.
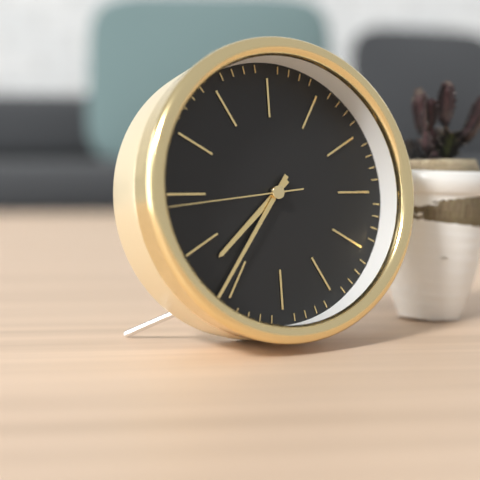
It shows **7:36:44**
